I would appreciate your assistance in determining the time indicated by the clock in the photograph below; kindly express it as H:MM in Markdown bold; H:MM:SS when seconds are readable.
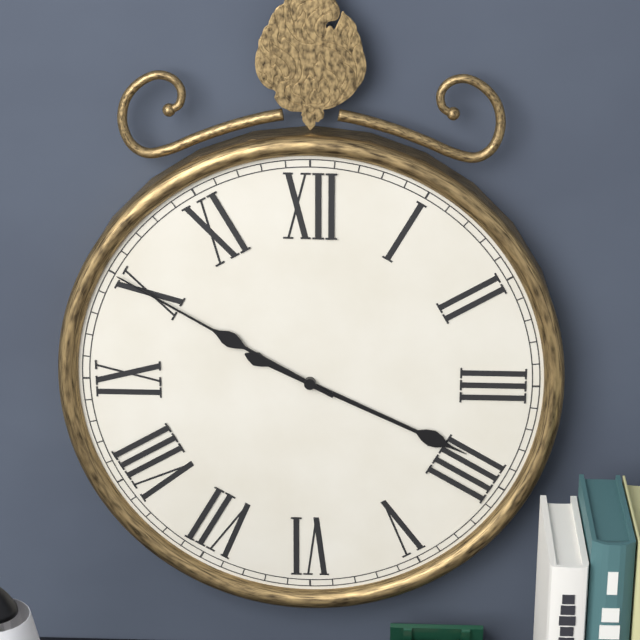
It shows **3:50**
